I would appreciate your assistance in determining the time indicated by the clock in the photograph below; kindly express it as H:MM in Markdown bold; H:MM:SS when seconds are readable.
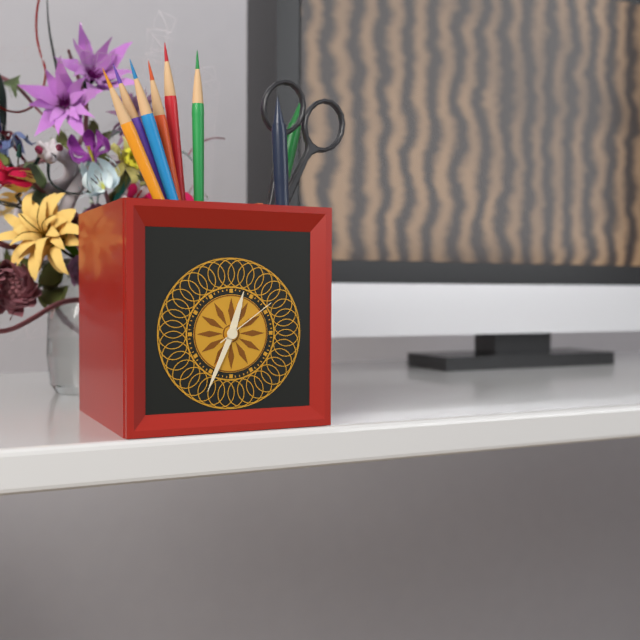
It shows **12:34:09**
